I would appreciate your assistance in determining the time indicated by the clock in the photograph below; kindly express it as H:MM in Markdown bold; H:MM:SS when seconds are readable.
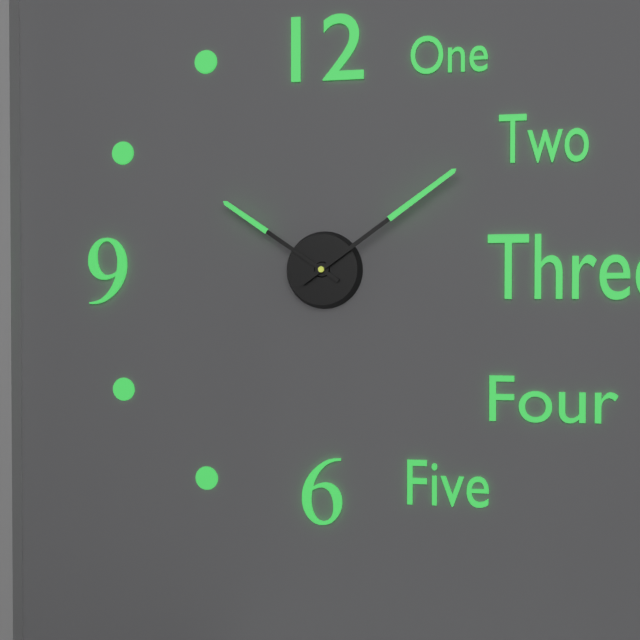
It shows **10:09**
